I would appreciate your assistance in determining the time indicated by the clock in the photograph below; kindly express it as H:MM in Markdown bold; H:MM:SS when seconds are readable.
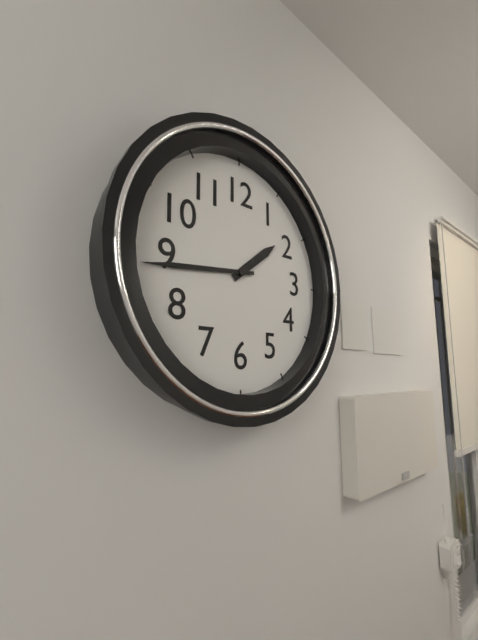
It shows **1:44**
